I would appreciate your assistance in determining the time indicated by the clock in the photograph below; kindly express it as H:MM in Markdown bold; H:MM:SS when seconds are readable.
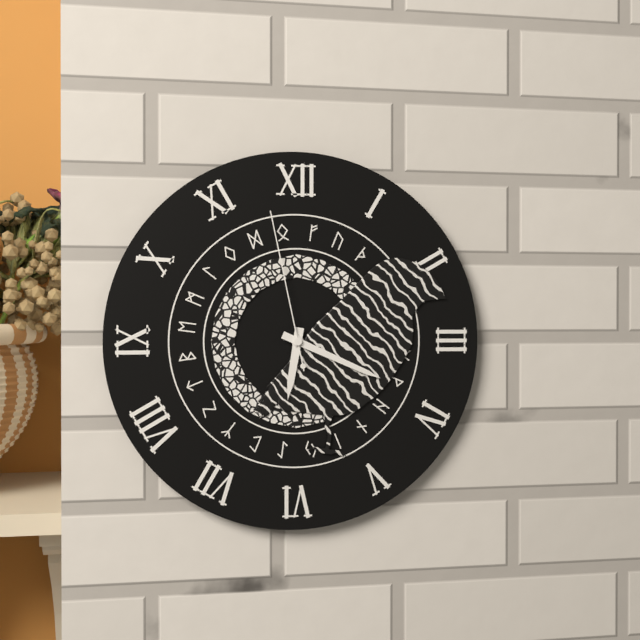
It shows **6:19:58**
